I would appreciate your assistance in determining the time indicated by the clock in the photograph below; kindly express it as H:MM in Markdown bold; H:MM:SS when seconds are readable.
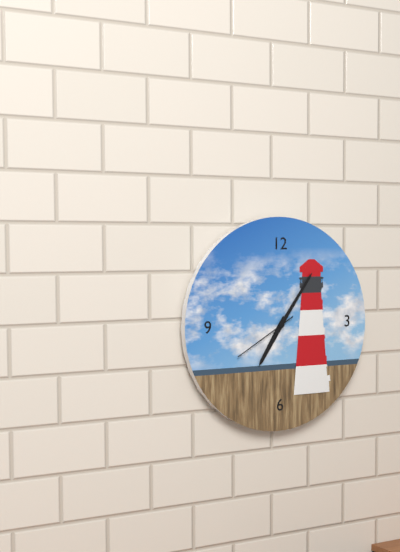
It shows **7:06:40**
